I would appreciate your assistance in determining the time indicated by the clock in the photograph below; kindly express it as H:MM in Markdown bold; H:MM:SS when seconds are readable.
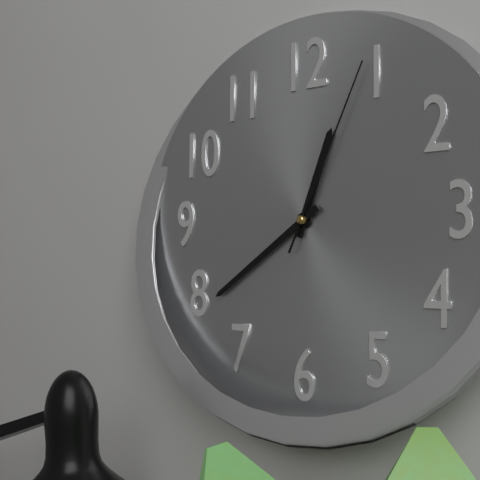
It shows **12:39:04**
